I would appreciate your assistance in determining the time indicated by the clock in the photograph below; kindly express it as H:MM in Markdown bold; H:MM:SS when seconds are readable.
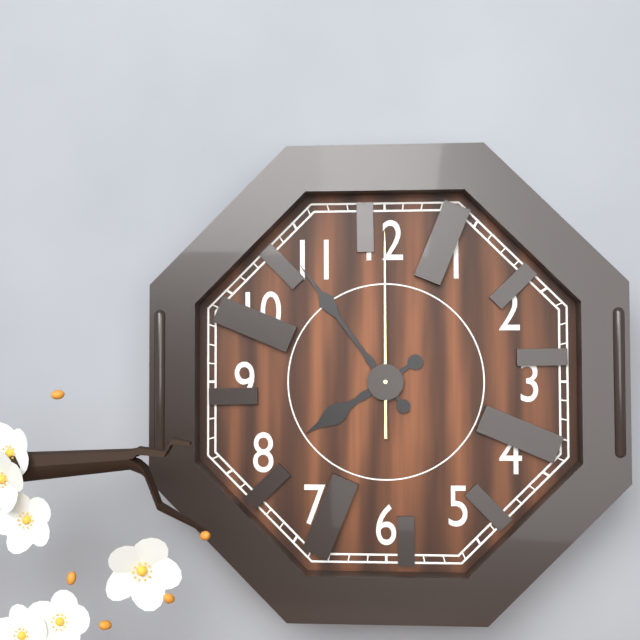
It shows **7:54:00**
